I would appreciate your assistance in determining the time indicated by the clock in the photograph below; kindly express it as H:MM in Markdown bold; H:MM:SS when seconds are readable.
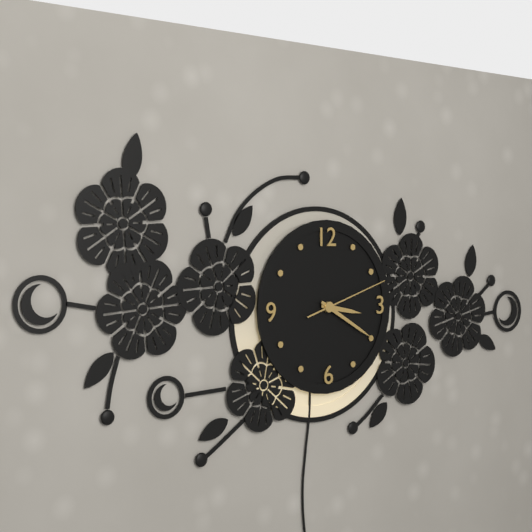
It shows **3:20:12**
